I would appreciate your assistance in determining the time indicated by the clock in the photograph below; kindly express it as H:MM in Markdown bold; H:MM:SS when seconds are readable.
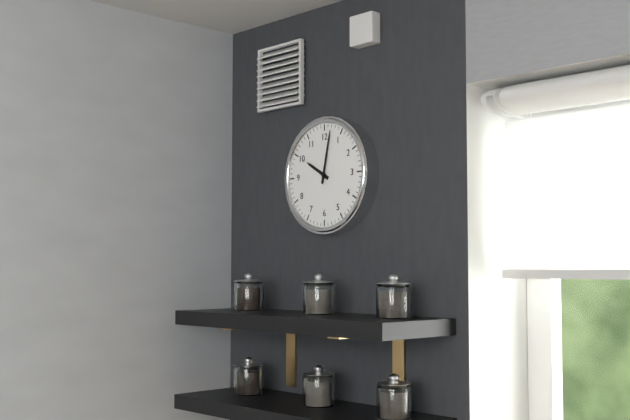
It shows **10:02**
